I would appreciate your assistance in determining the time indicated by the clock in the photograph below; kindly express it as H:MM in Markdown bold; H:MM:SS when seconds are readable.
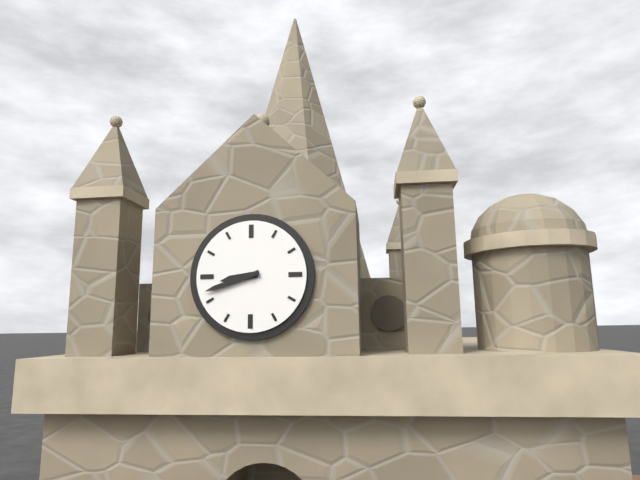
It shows **8:42**
